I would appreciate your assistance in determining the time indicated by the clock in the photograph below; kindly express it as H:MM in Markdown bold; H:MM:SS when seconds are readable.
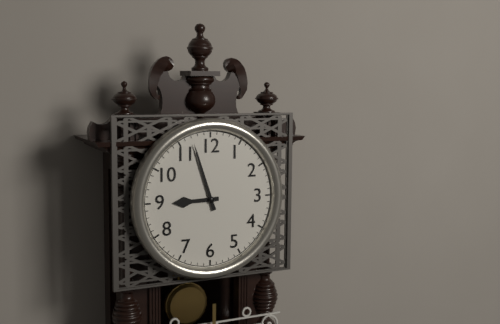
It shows **8:57**
